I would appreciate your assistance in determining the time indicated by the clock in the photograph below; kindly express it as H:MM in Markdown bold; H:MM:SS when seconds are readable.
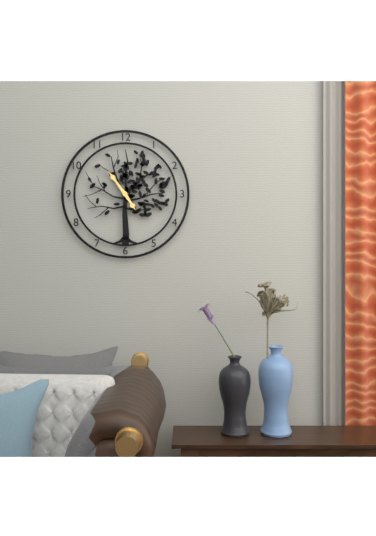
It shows **4:54**
